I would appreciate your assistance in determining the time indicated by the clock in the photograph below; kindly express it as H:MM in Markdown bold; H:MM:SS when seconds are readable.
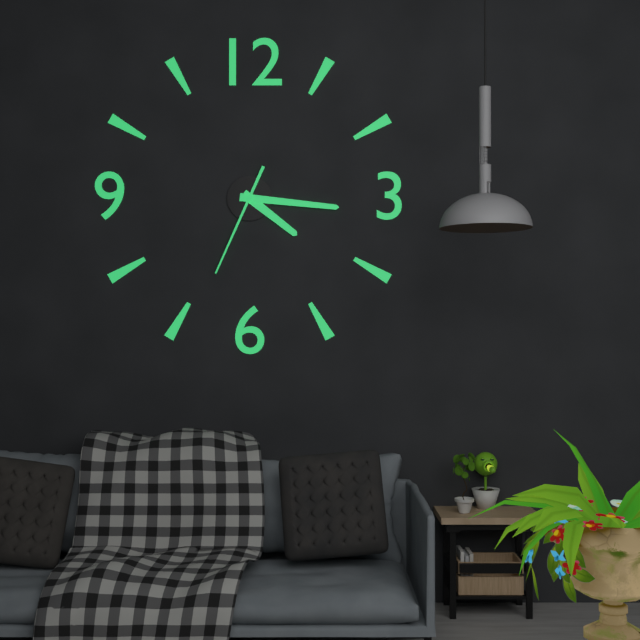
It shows **4:16:34**
